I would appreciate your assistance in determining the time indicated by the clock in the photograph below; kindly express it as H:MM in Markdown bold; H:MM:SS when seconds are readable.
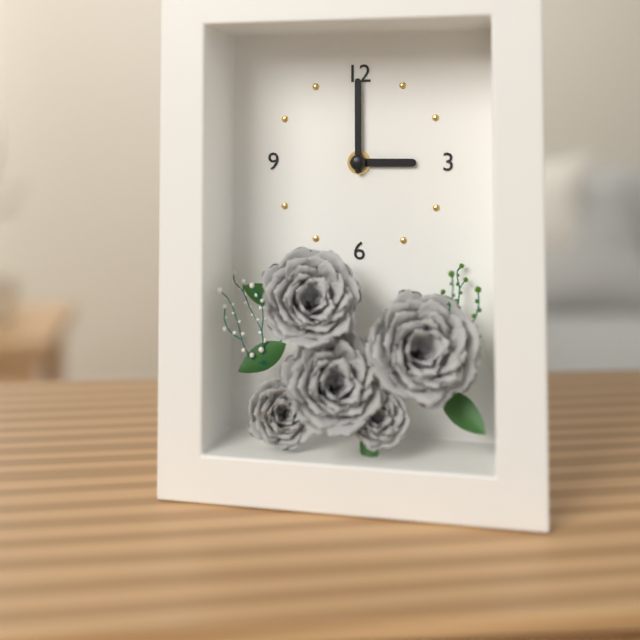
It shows **3:00**
